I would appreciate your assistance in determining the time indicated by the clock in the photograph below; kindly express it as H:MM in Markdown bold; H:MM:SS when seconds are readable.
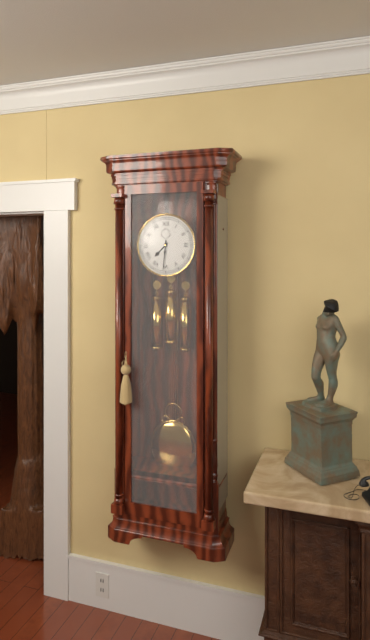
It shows **7:31**
